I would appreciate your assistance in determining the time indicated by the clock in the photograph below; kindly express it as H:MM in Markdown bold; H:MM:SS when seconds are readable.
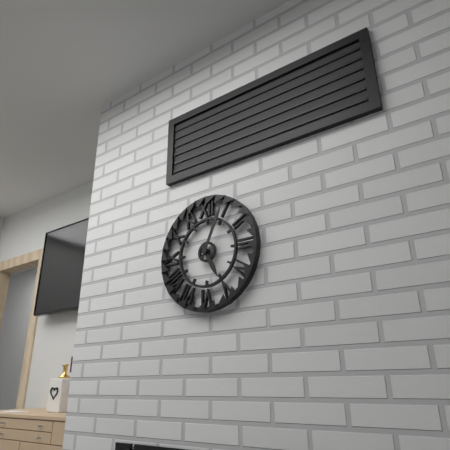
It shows **5:04**
